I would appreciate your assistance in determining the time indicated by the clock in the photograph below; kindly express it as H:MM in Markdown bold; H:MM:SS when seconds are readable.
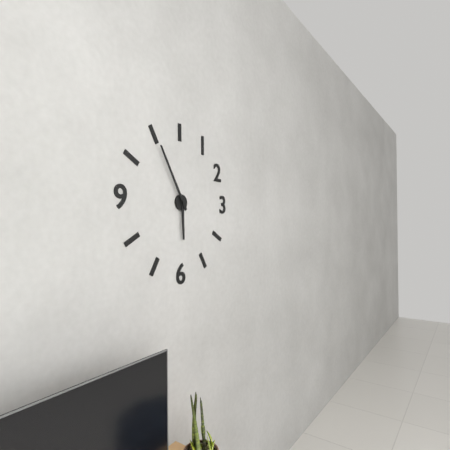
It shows **5:55**
